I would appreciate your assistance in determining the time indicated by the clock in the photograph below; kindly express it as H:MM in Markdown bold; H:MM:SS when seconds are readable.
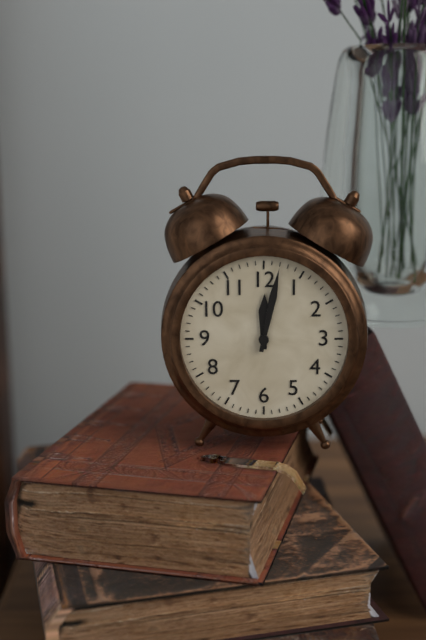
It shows **12:02**
